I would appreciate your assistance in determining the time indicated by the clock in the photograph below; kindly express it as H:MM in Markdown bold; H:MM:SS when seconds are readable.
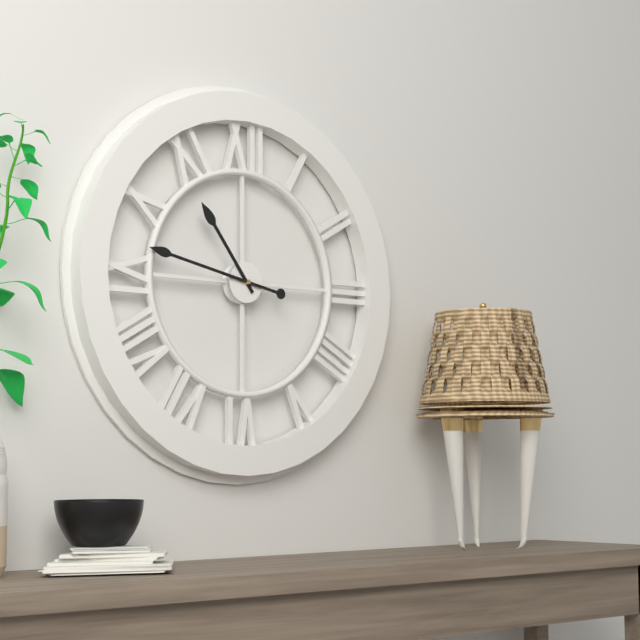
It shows **10:47**
